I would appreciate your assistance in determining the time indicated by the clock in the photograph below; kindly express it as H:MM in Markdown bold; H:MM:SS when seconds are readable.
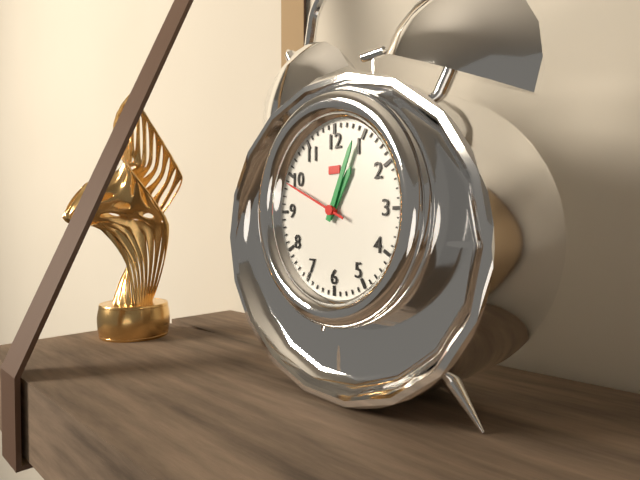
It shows **1:04:49**
